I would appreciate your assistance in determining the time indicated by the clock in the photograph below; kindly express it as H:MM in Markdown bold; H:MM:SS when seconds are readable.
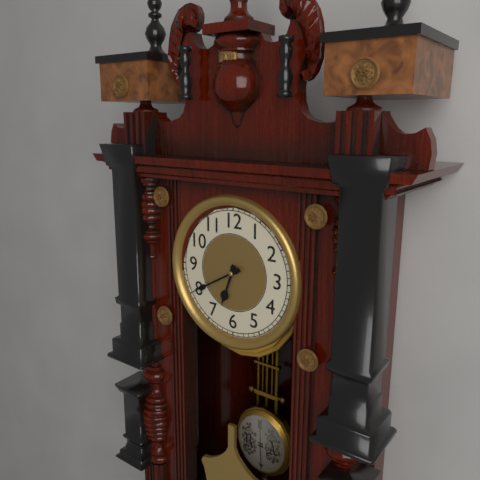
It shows **6:40**
